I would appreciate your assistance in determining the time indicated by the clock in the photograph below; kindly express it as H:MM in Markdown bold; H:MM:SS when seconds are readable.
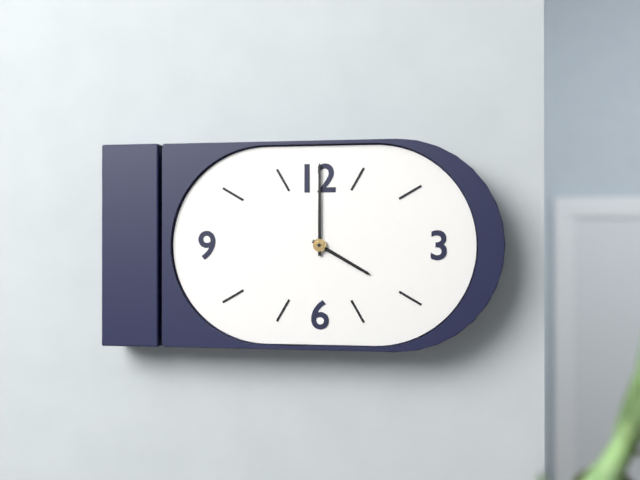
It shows **4:00**
